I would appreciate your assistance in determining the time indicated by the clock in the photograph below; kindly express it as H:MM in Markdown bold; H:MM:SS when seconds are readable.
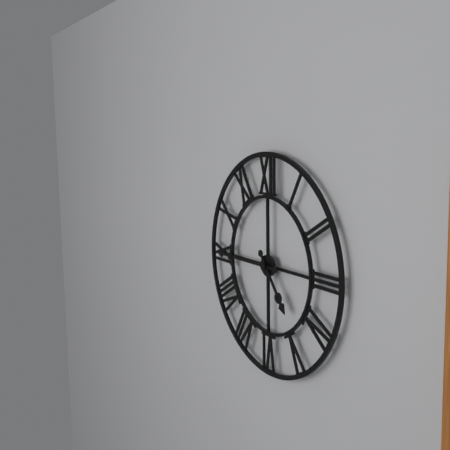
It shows **4:45**
